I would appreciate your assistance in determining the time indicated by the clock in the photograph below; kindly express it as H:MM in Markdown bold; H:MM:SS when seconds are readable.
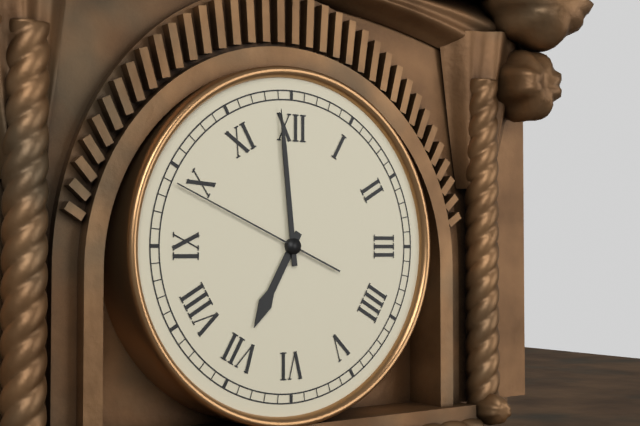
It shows **6:59:49**
